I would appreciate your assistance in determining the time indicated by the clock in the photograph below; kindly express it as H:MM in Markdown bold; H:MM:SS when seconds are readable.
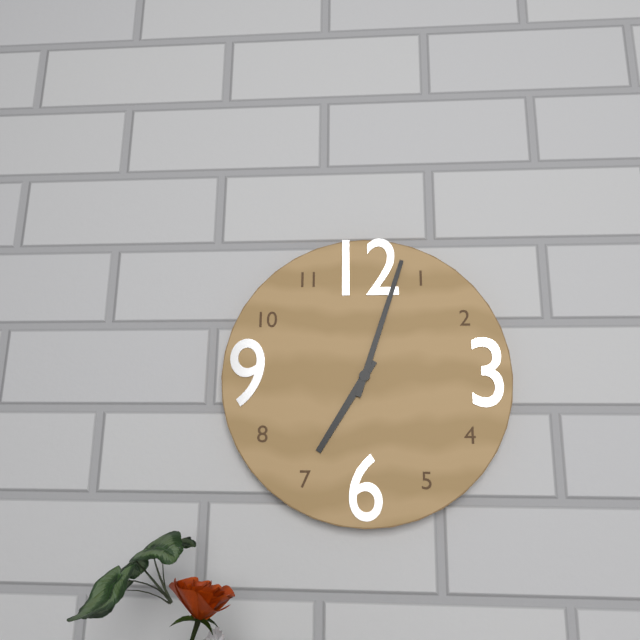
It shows **7:03**
